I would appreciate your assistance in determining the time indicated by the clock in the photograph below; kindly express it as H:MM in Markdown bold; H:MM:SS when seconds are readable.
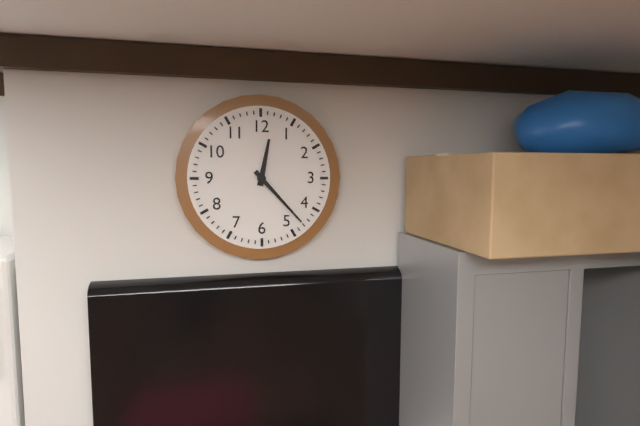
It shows **12:23**
